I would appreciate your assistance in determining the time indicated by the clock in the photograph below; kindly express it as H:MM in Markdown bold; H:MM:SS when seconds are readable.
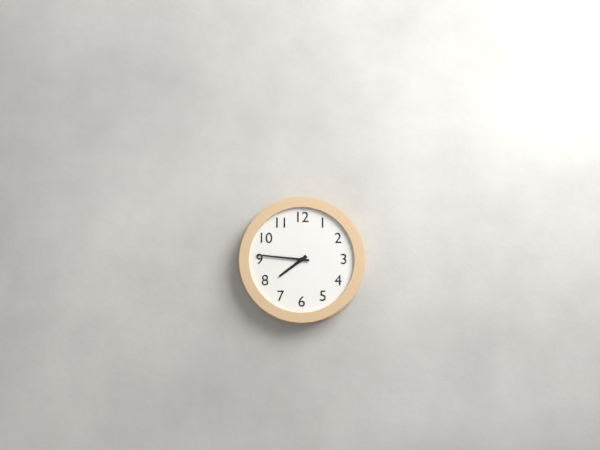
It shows **7:46**
